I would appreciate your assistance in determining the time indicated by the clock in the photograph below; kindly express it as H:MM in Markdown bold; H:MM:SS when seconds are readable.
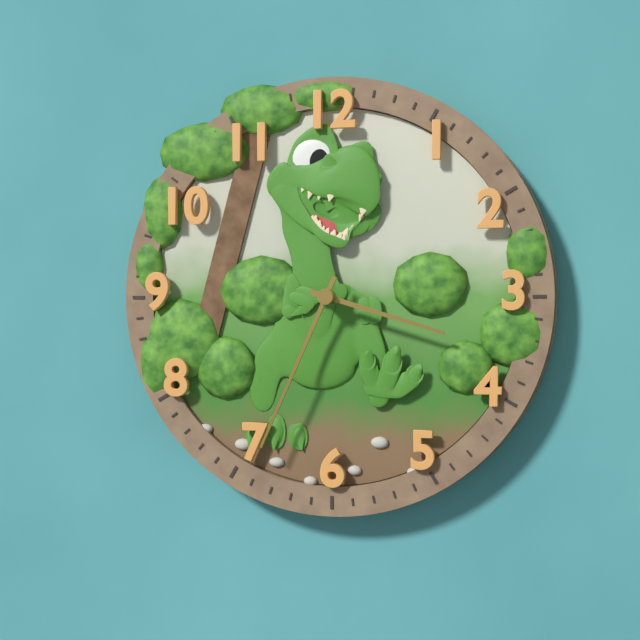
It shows **3:34**
